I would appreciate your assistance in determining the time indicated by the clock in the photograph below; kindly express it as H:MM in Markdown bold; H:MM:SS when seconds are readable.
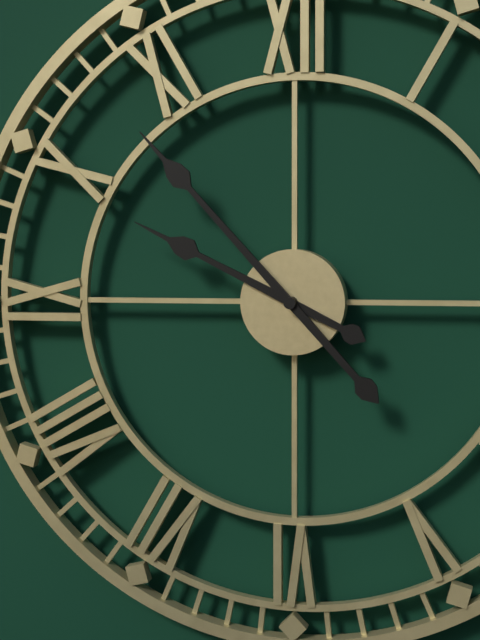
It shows **9:53**
